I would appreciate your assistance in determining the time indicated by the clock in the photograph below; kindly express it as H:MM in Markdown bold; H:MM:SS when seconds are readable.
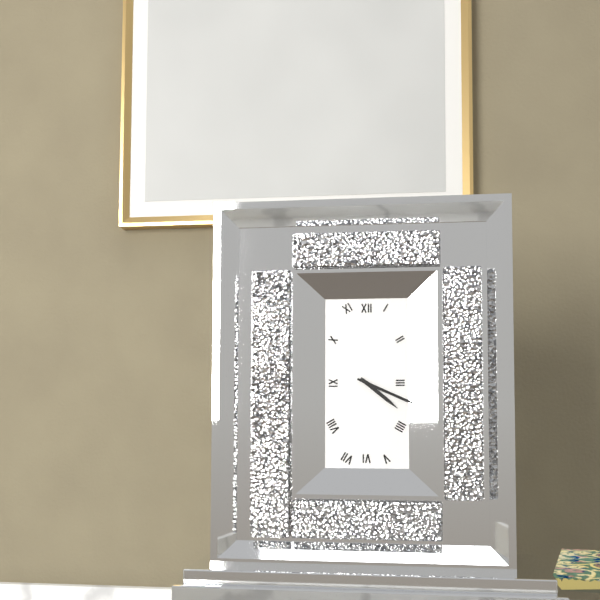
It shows **4:19**
